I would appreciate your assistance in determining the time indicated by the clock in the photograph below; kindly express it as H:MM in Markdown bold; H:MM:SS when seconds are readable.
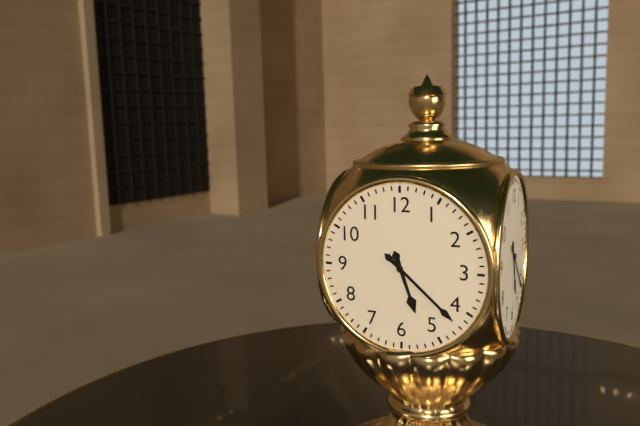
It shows **5:22**
